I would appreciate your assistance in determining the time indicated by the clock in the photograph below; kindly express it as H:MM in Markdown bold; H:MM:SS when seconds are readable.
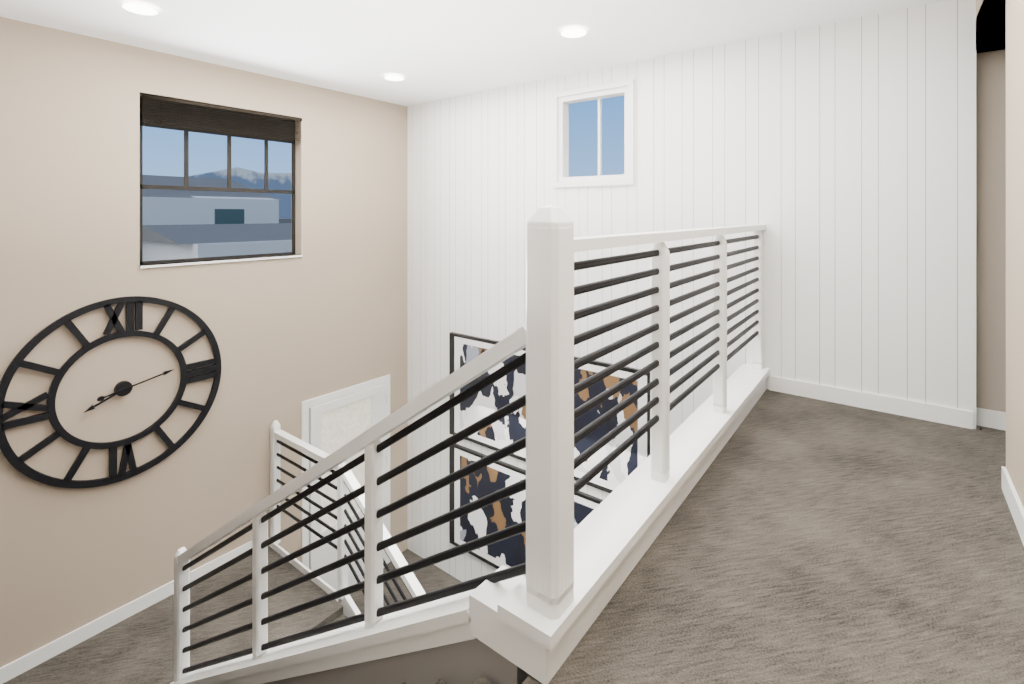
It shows **8:13**
